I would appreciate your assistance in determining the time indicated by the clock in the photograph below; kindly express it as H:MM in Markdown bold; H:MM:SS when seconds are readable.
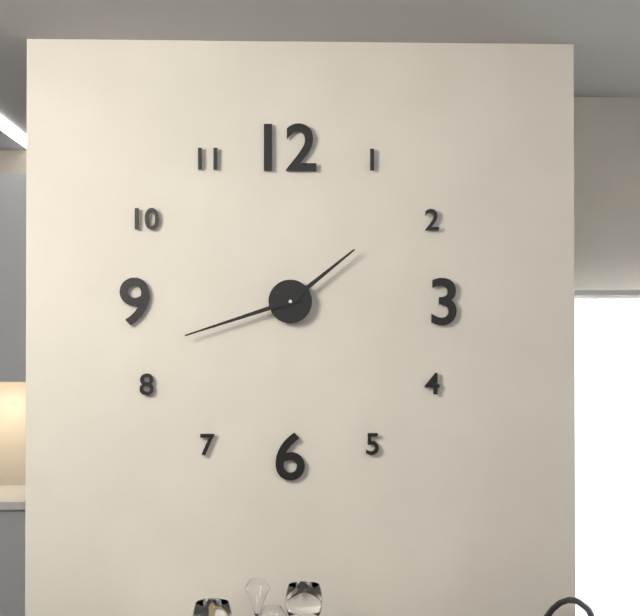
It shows **1:42**
